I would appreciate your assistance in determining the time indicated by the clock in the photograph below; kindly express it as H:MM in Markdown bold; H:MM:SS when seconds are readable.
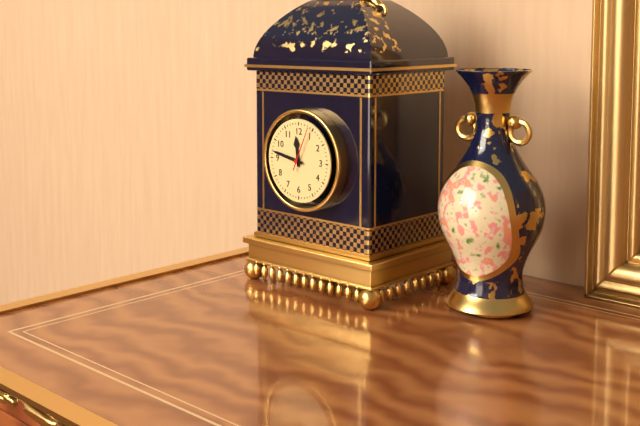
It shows **11:47**
